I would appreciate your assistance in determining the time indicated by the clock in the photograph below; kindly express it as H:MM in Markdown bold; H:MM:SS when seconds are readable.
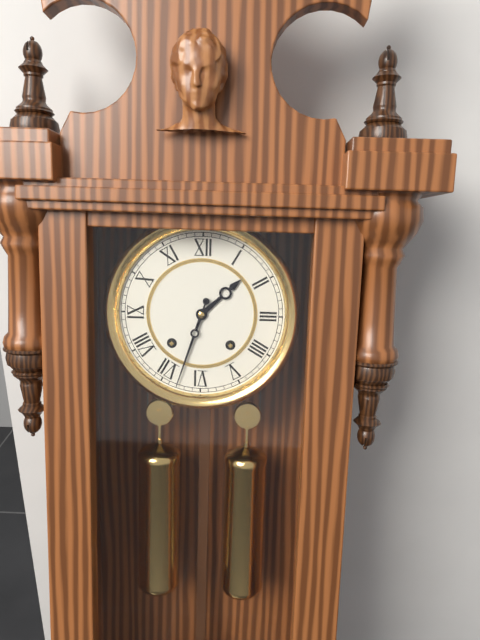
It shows **1:33**
